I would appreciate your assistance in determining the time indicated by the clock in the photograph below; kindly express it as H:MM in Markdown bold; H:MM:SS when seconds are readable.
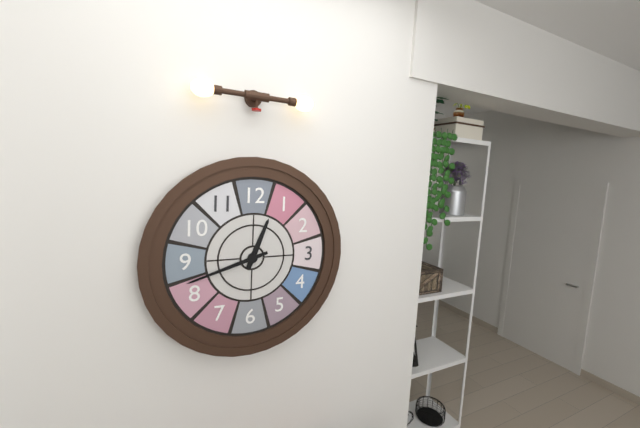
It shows **12:42**
